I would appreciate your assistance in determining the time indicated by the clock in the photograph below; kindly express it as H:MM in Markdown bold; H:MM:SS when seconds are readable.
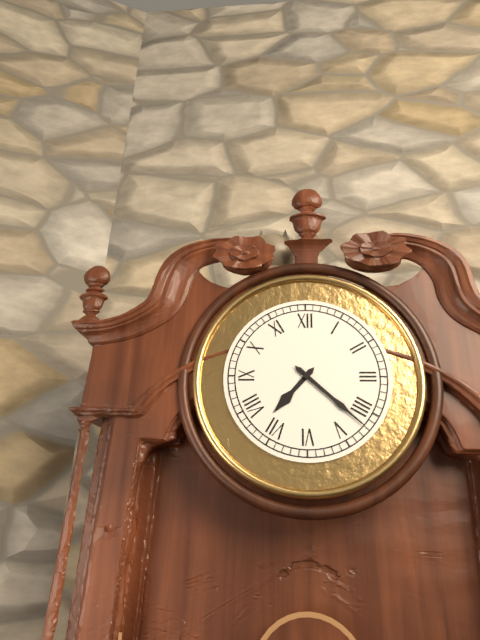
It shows **7:22**
